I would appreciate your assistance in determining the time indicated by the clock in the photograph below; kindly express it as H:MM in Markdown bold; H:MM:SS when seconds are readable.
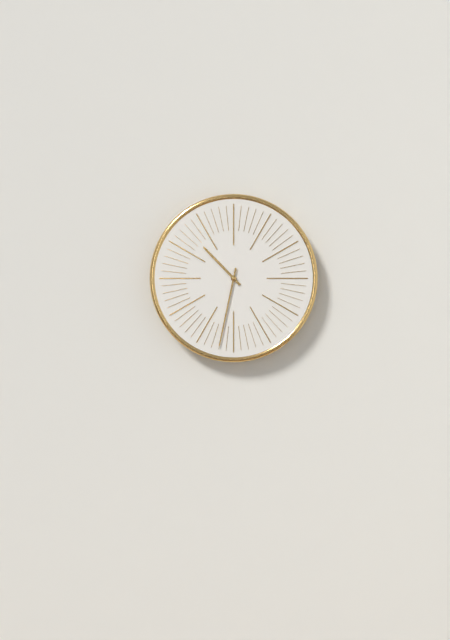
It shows **10:32**
